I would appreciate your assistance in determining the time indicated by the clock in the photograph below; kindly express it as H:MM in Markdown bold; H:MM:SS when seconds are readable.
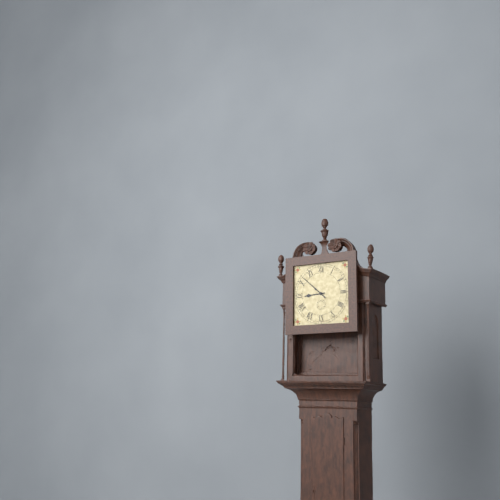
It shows **8:52**
